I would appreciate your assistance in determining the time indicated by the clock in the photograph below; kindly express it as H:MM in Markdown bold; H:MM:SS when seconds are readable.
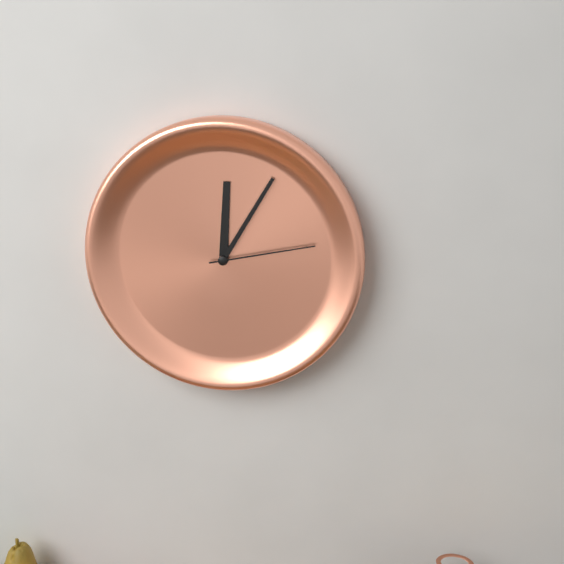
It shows **12:05:13**
